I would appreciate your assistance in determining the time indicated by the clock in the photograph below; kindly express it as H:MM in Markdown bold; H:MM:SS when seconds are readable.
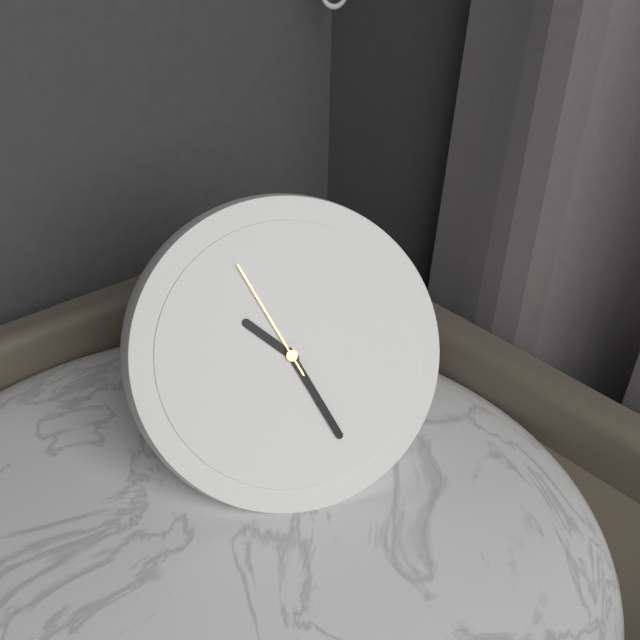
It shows **10:26:56**
